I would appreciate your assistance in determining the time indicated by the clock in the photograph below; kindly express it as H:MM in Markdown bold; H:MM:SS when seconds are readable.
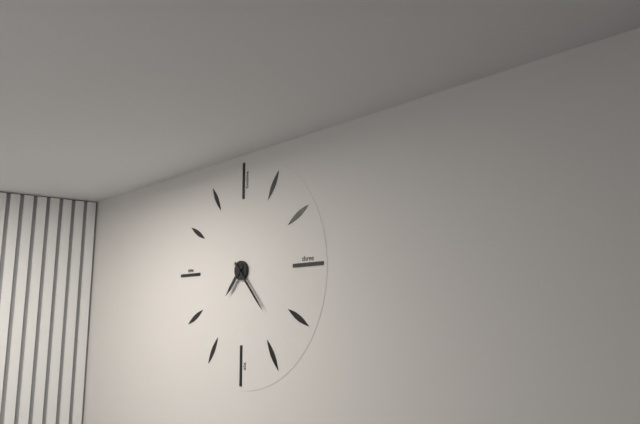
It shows **7:23**
